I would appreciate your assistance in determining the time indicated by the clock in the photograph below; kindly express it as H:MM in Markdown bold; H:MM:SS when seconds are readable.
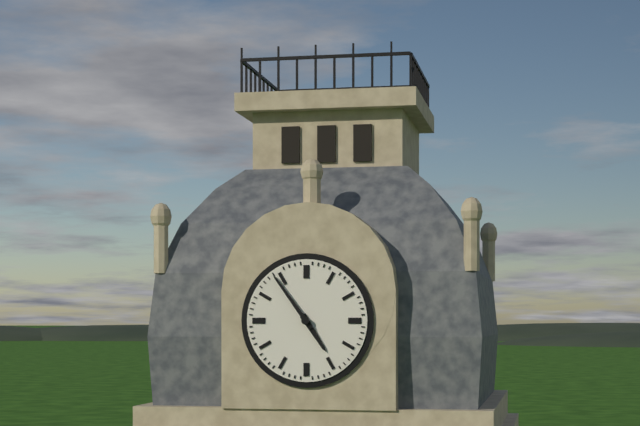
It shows **4:54**
